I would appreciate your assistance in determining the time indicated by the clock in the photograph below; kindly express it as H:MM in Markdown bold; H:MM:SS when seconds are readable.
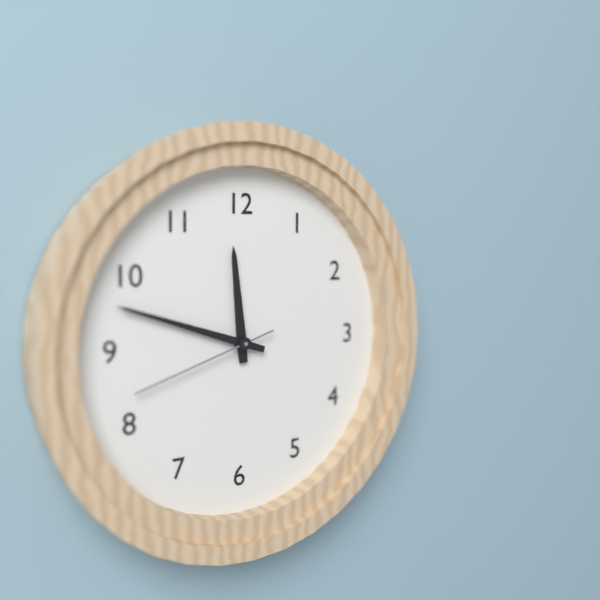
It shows **11:48:42**
